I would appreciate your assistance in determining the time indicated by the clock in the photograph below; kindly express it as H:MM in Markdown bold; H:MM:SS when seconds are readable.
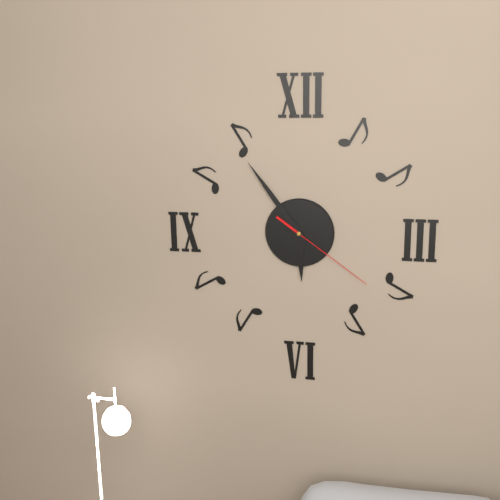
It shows **5:54:21**
